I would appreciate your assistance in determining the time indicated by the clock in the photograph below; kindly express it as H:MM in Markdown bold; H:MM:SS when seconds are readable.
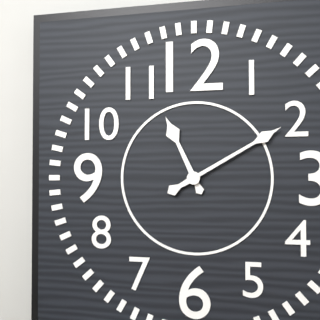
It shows **11:10**
